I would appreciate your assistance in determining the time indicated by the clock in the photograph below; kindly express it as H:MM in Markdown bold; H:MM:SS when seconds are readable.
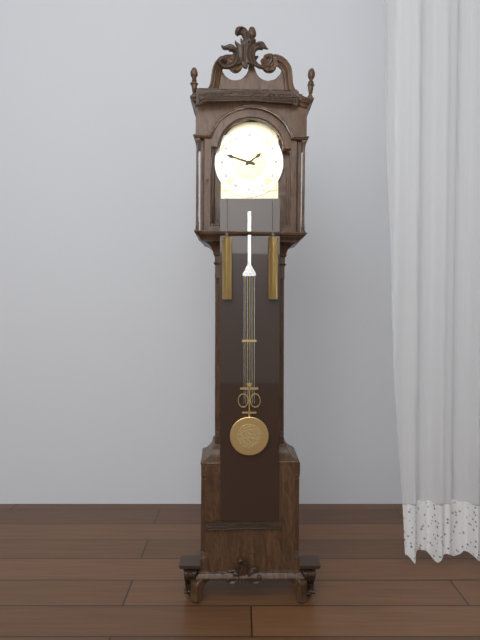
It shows **1:48**
